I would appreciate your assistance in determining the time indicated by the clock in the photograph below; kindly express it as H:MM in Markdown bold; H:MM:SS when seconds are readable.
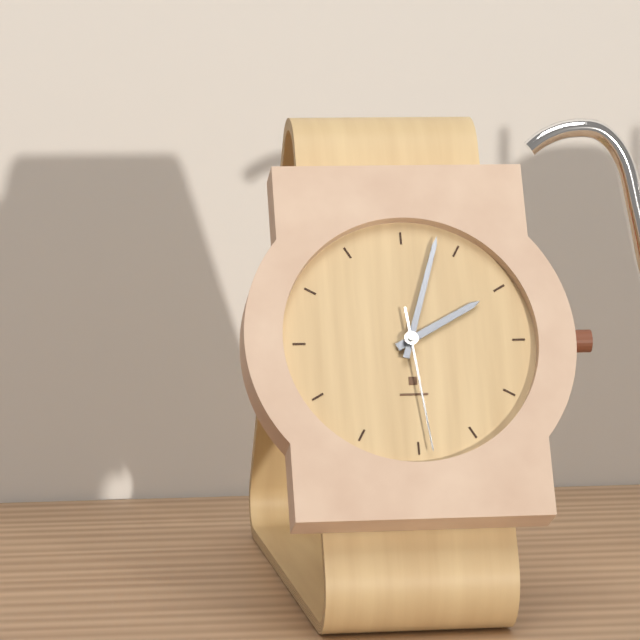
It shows **2:03:29**
